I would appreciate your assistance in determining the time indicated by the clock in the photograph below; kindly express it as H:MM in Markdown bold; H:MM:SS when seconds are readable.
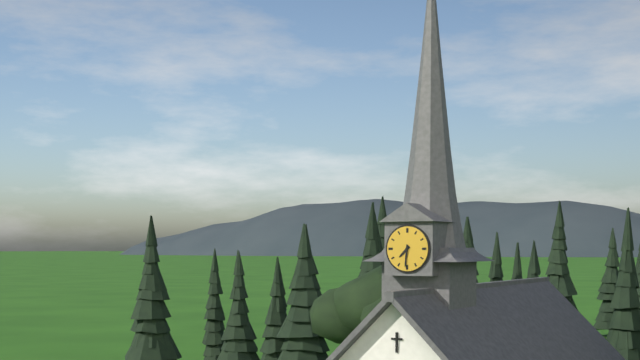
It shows **7:31**
